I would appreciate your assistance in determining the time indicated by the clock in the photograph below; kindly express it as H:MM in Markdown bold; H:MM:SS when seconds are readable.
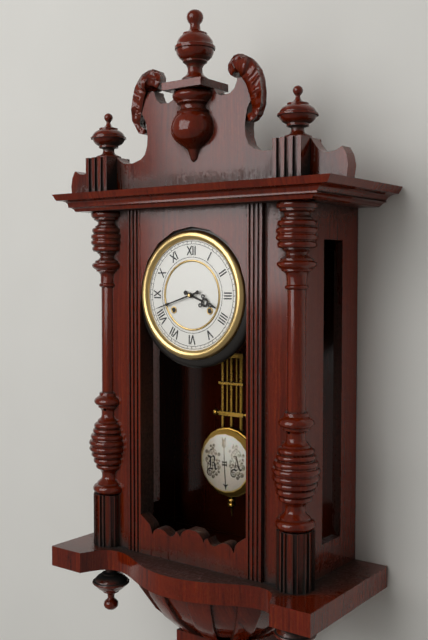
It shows **3:42**
